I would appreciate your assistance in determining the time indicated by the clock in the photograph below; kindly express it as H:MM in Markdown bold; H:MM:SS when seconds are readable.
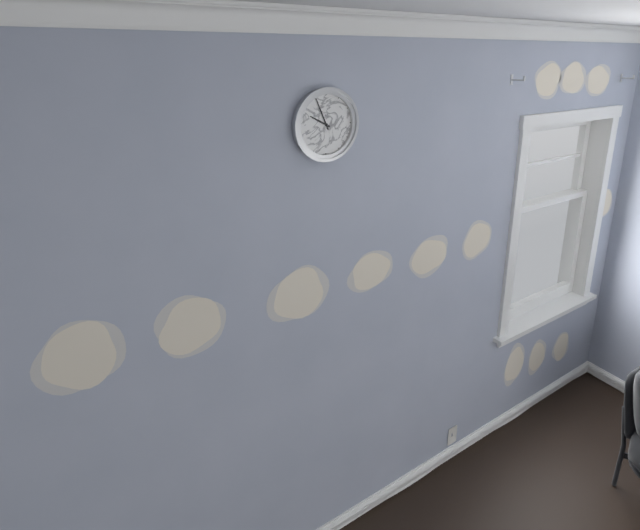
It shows **9:56**
